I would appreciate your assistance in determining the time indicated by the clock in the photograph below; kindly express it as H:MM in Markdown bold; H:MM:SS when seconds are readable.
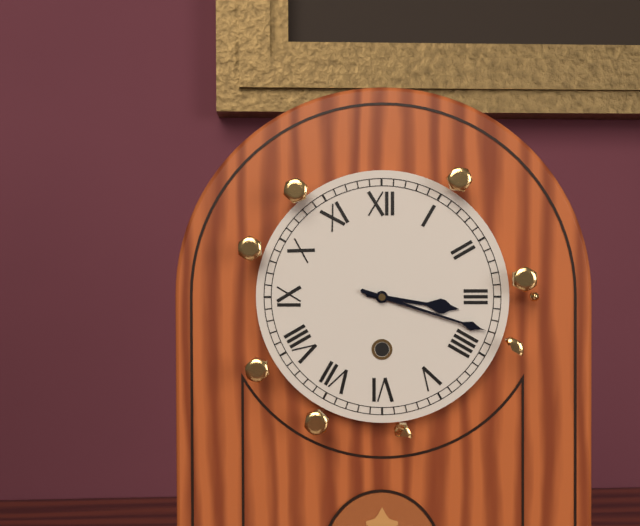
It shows **3:18**
